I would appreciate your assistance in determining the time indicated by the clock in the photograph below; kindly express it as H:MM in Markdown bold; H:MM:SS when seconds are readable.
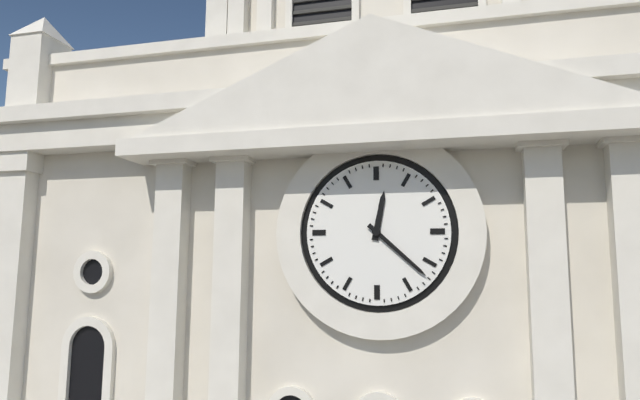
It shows **12:22**
